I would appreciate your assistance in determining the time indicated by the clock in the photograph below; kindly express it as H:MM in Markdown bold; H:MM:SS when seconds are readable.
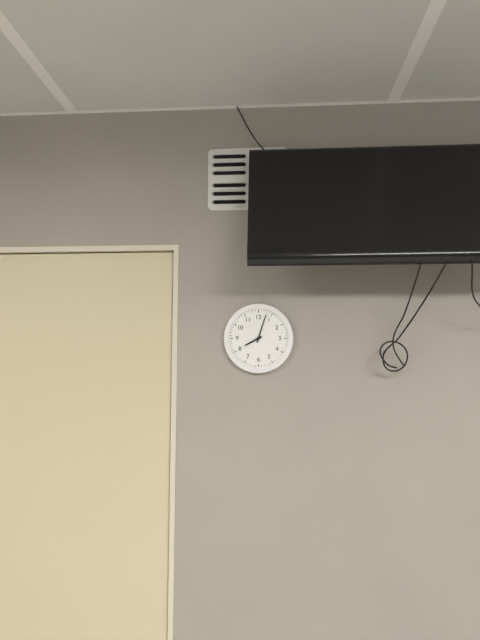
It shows **8:03**
